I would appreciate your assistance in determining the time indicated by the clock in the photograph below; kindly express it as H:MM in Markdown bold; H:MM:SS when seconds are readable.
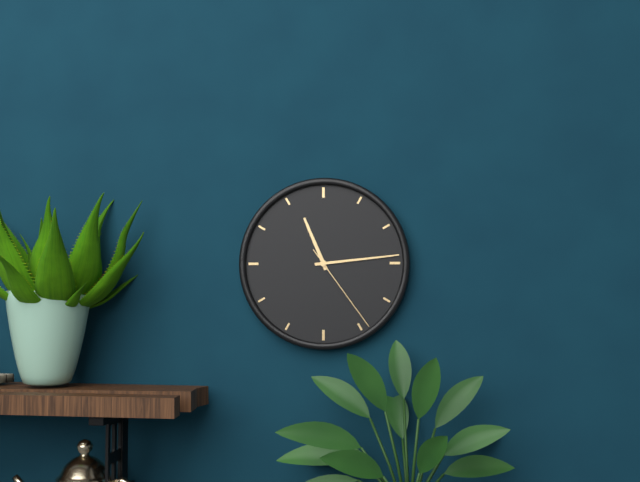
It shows **11:14:24**
